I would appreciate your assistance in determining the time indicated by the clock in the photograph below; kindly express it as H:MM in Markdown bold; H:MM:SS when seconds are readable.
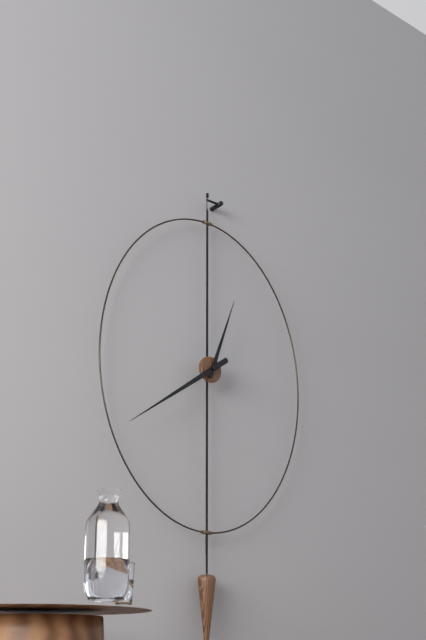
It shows **12:39**
